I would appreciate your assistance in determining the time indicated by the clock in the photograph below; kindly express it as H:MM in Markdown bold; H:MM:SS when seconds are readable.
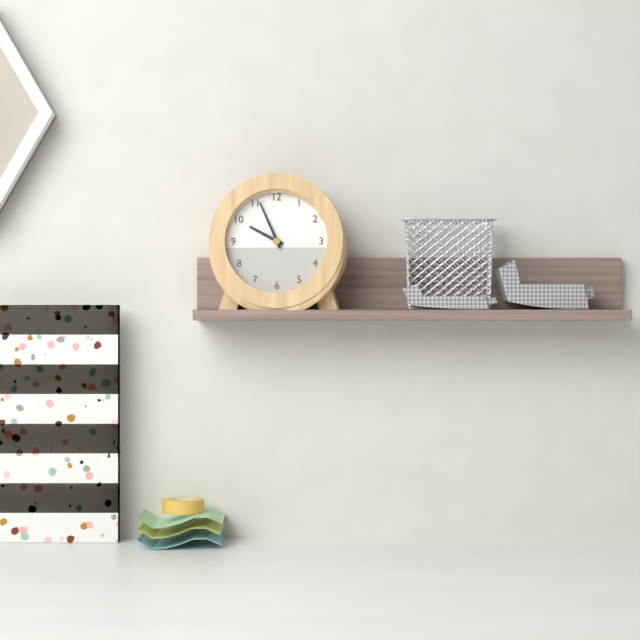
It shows **9:56**
